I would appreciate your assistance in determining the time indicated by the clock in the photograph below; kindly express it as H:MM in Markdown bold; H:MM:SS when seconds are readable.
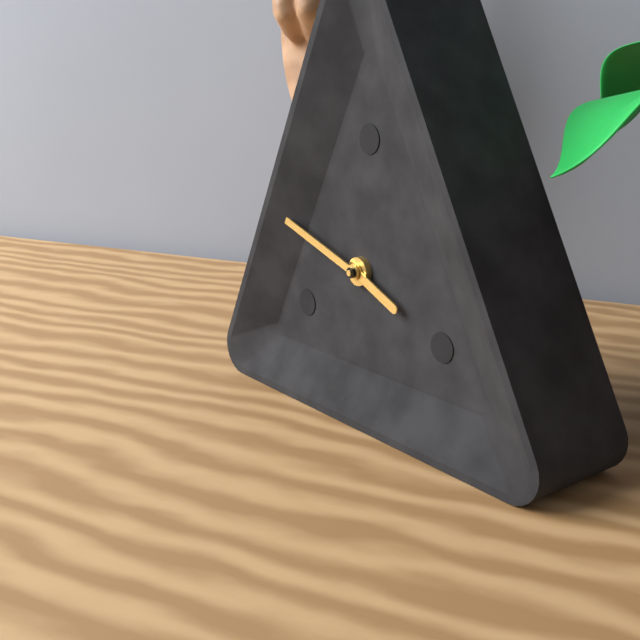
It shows **3:48**
